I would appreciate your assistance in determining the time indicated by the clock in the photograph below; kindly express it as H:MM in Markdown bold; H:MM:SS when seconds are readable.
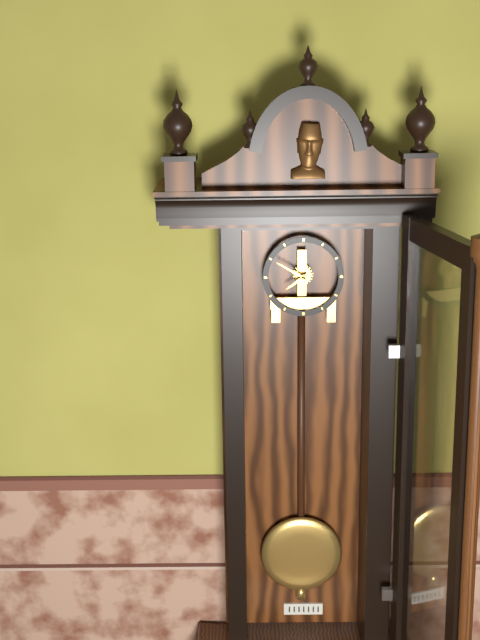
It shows **7:50**
